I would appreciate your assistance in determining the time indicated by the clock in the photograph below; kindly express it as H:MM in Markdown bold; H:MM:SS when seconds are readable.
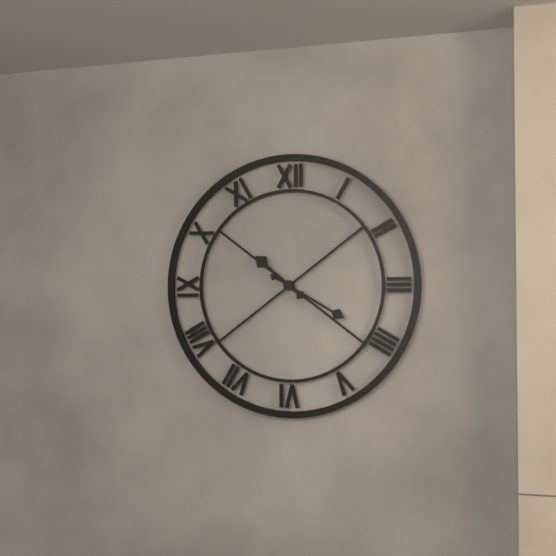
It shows **10:20**
